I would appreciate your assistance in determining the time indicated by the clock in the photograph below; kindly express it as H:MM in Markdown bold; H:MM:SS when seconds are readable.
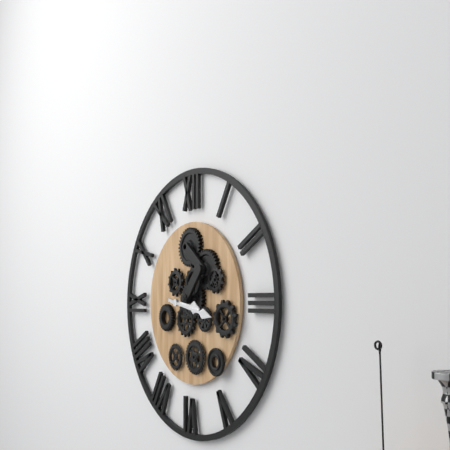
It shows **3:17**
